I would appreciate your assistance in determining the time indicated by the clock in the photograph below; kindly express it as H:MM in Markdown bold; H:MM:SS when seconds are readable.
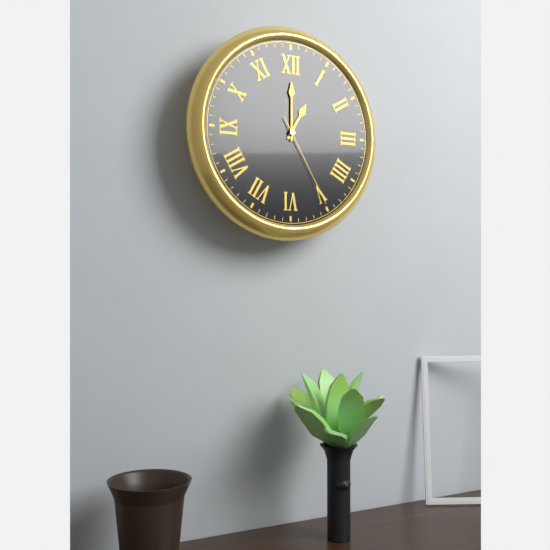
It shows **1:00:25**
